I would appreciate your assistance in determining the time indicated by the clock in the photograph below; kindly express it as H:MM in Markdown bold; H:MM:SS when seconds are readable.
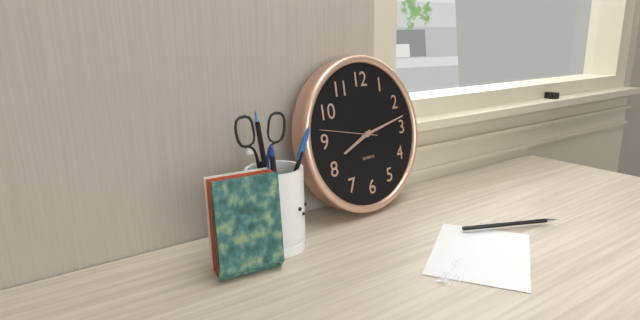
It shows **8:13:47**
